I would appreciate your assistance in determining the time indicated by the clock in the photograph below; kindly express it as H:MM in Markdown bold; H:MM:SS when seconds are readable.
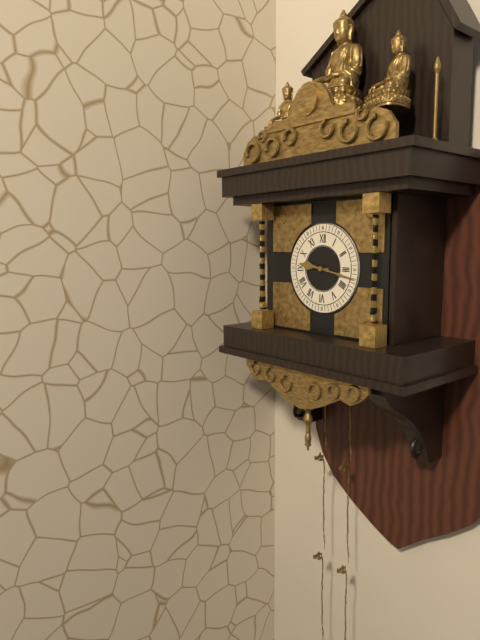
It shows **9:17**
